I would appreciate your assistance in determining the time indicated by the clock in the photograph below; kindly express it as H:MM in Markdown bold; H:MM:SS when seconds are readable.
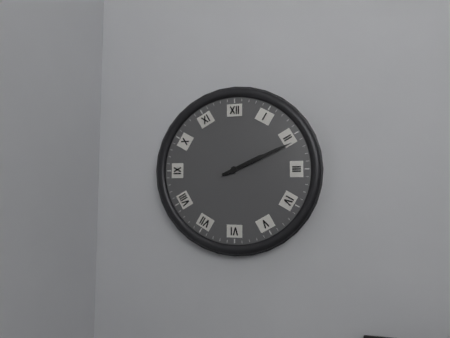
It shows **2:11**
